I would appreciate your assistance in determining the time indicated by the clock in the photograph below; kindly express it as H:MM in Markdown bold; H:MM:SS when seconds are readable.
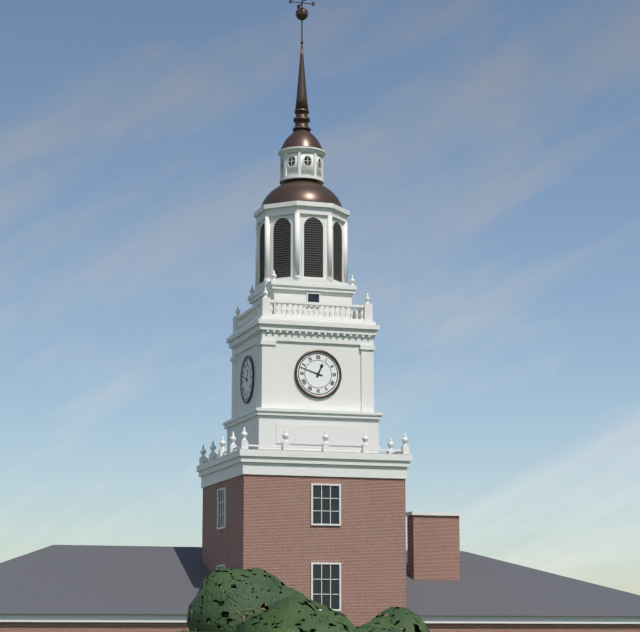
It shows **12:48**
